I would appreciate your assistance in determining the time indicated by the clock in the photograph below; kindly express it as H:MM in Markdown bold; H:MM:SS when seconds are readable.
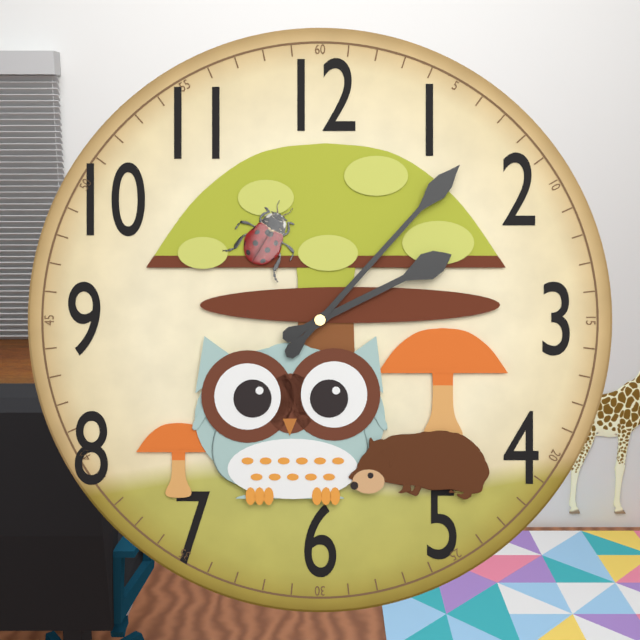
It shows **2:07**
